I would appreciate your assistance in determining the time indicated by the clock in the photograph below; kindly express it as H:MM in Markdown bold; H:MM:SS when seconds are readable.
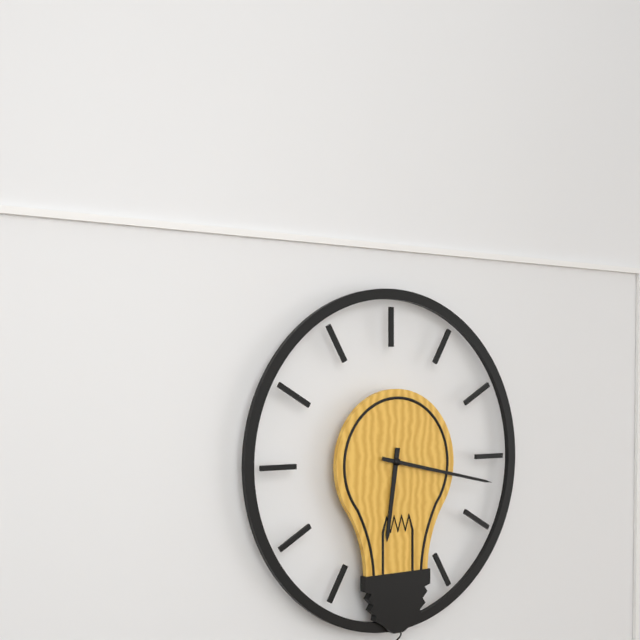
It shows **6:17**
